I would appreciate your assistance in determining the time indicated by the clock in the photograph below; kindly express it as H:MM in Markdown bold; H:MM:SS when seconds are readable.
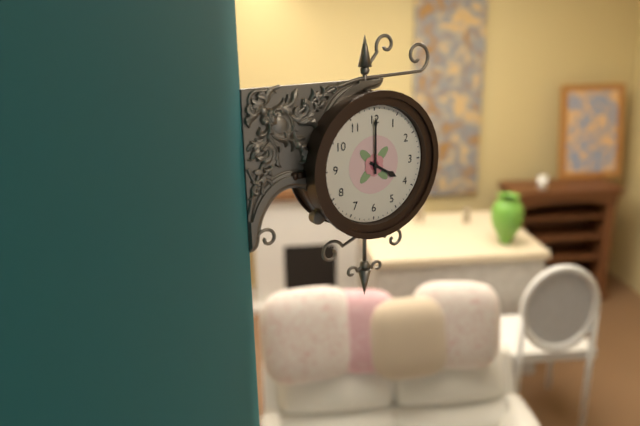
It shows **4:00**
